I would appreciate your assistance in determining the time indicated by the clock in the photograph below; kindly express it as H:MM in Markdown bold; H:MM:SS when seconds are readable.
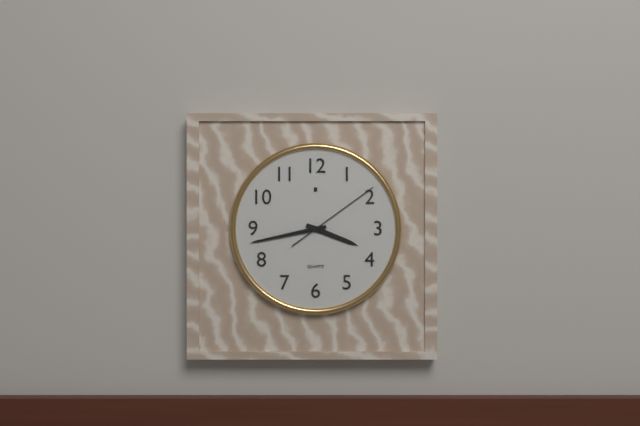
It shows **3:43:09**
